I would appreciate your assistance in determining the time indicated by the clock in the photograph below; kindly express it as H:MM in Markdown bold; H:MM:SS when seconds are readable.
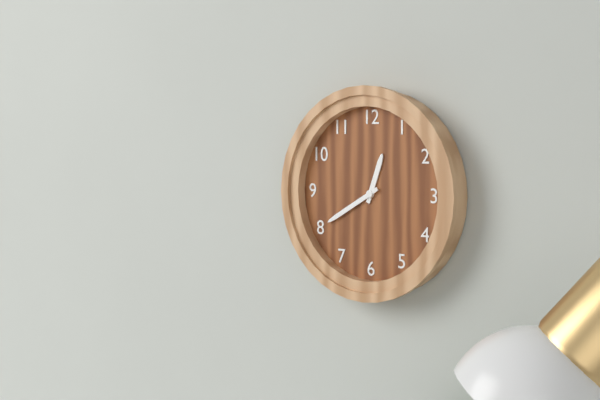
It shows **12:40**
